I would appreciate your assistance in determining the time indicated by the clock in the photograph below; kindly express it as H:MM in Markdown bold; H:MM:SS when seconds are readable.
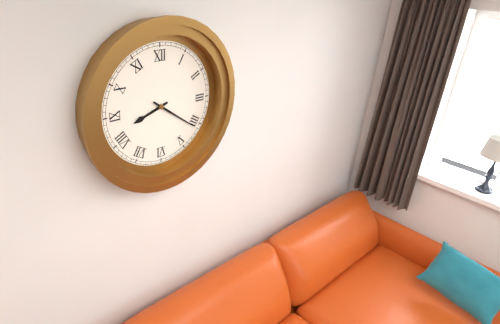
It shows **8:21**
